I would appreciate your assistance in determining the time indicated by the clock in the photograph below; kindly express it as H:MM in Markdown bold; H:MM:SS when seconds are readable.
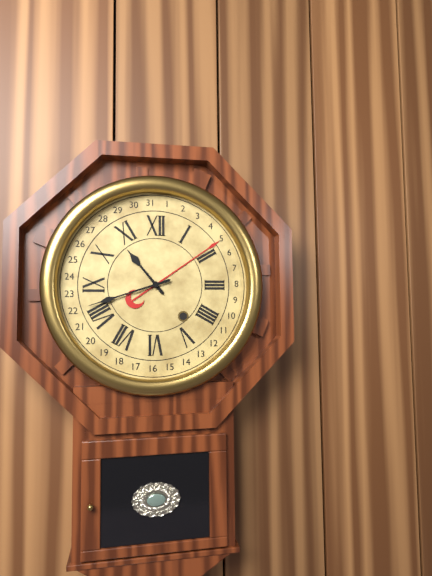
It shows **10:42**
